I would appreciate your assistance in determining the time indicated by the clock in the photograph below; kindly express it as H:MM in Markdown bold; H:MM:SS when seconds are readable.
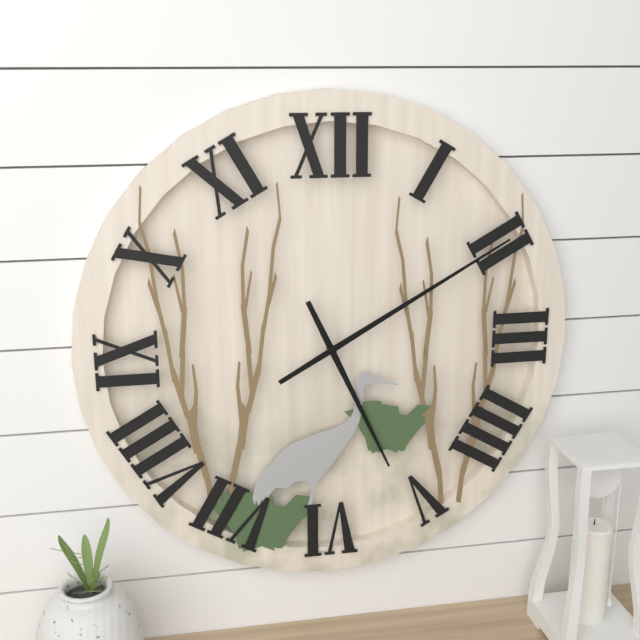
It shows **5:10**
